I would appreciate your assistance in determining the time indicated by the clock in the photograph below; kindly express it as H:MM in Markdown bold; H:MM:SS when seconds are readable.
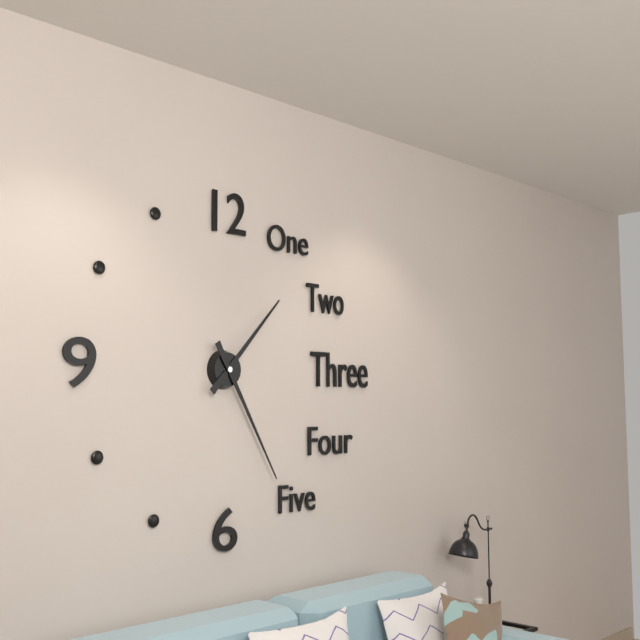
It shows **1:25**
